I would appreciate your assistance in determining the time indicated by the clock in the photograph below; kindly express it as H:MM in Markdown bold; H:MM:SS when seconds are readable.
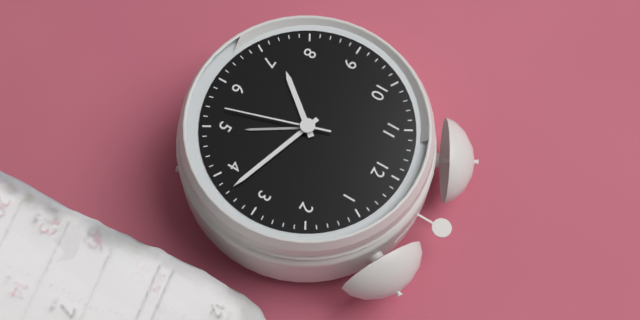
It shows **7:18:27**
